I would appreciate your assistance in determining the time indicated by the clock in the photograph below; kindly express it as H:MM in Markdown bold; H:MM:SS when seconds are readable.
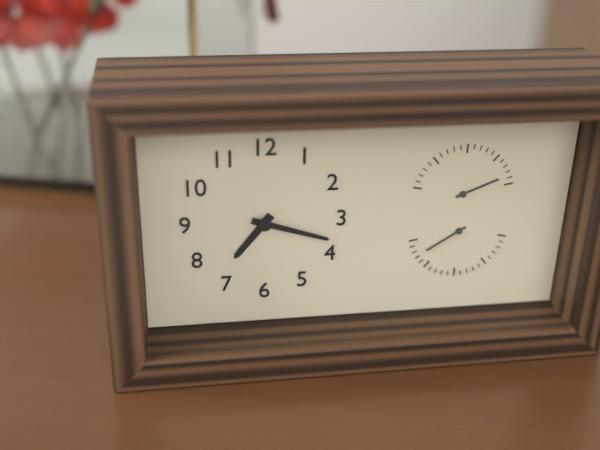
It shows **7:18**
